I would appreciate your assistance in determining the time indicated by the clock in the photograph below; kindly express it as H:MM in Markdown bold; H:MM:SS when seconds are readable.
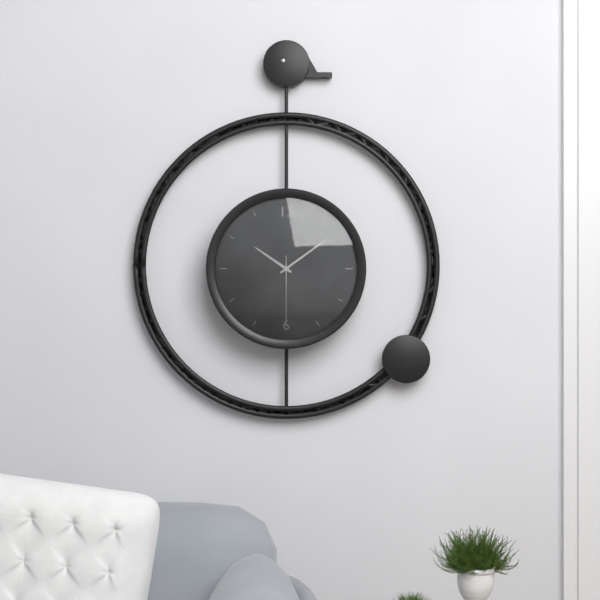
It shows **10:09:30**
